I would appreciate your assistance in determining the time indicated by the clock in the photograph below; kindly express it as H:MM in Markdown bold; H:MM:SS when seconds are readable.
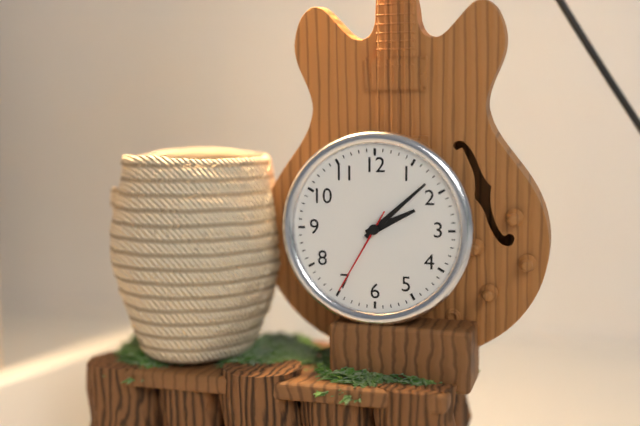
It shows **2:08:35**
